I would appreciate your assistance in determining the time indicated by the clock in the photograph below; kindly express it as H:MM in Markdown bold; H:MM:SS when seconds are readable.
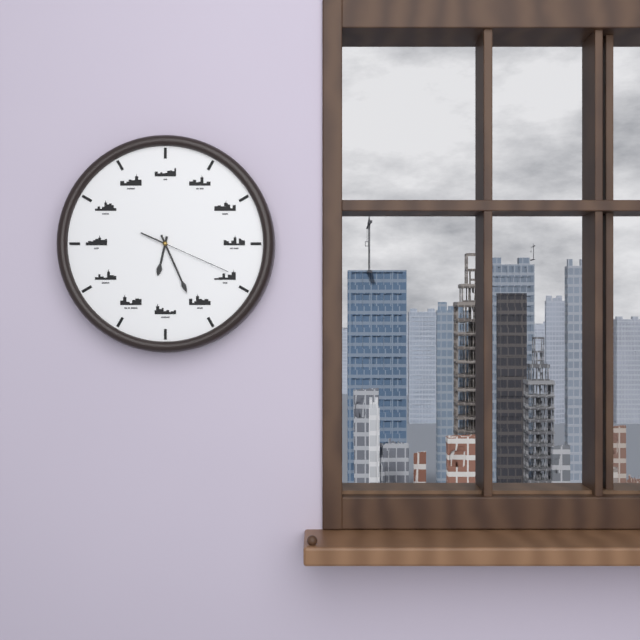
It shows **6:26:19**
